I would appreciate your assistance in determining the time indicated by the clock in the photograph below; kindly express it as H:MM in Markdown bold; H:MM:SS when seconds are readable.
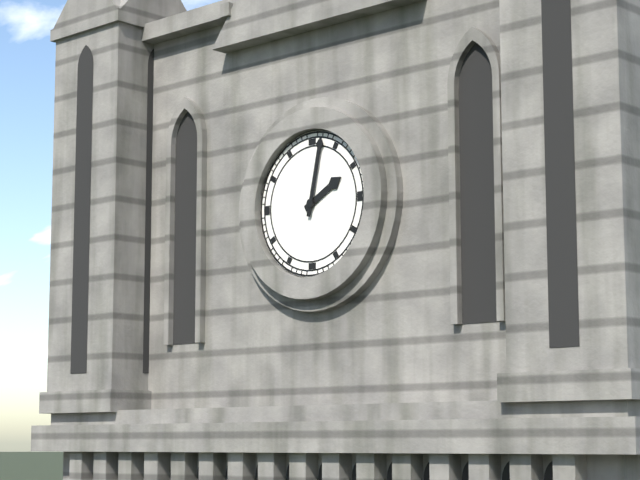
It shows **2:02**
